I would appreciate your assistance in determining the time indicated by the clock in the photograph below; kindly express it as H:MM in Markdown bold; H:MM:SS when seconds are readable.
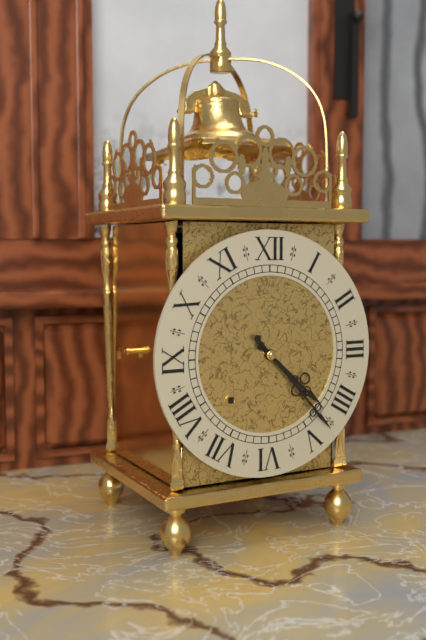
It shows **4:23**
